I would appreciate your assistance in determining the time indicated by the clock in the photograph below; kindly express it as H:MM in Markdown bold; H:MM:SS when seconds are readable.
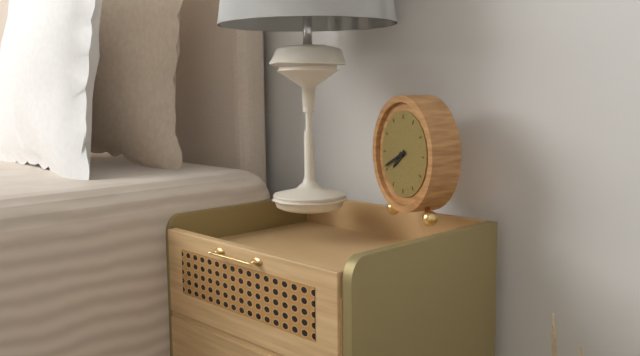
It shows **7:41**
